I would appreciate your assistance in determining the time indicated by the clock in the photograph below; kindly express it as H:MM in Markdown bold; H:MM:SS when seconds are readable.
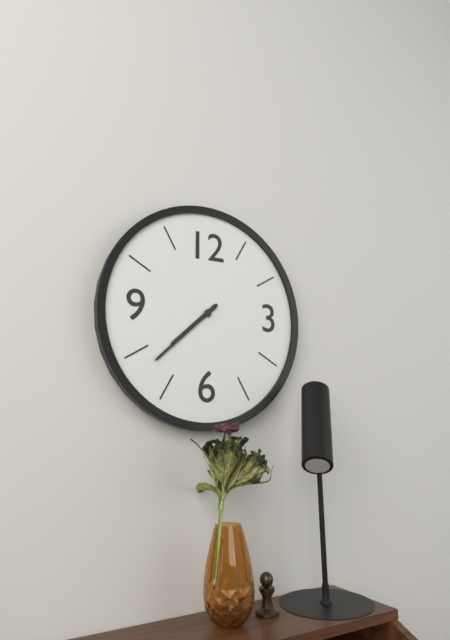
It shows **7:38**
